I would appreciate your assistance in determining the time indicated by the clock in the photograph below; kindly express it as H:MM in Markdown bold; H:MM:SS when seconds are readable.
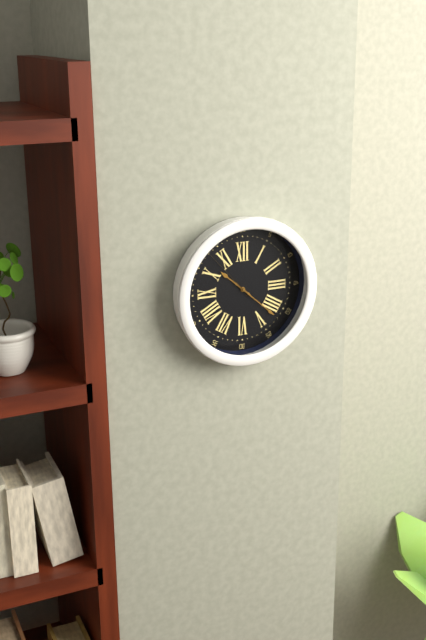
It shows **10:22:53**
